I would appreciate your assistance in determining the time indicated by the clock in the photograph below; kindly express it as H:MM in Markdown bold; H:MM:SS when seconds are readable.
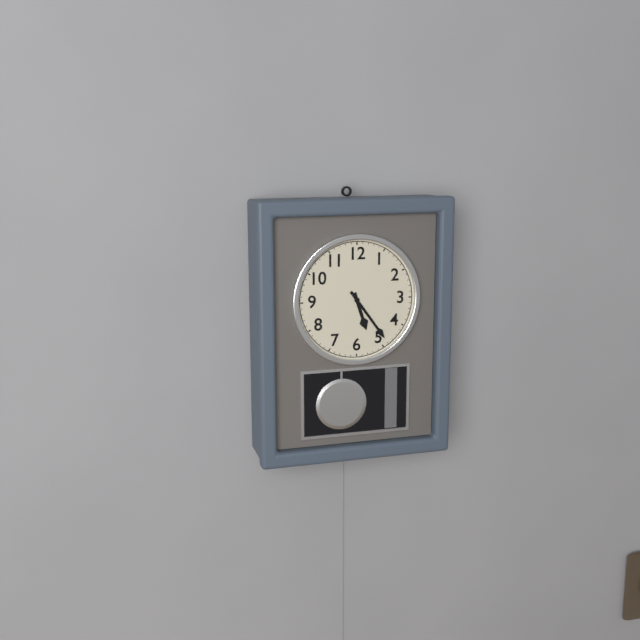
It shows **5:24**
